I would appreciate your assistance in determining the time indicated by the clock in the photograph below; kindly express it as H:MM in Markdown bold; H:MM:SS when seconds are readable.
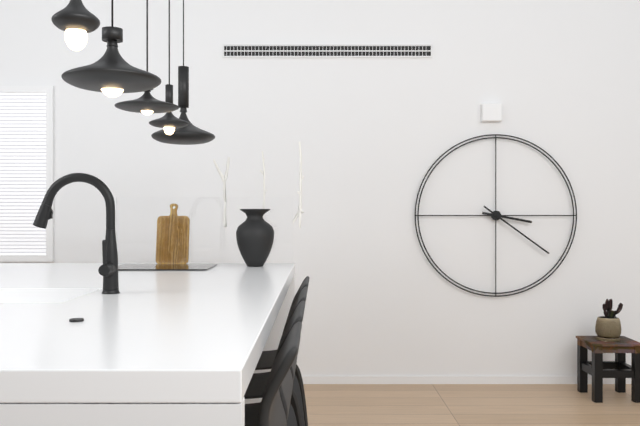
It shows **3:21**
